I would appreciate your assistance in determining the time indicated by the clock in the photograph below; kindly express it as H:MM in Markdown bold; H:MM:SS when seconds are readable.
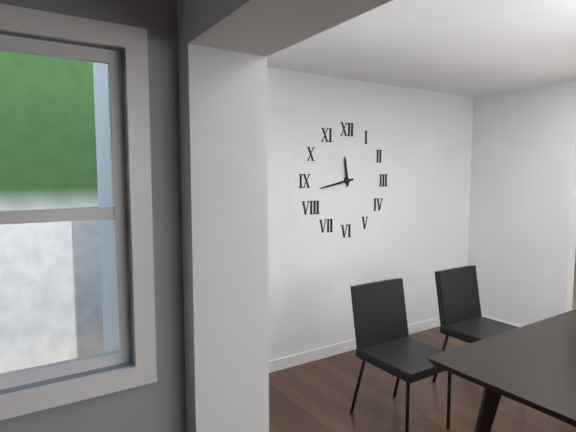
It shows **11:43**
